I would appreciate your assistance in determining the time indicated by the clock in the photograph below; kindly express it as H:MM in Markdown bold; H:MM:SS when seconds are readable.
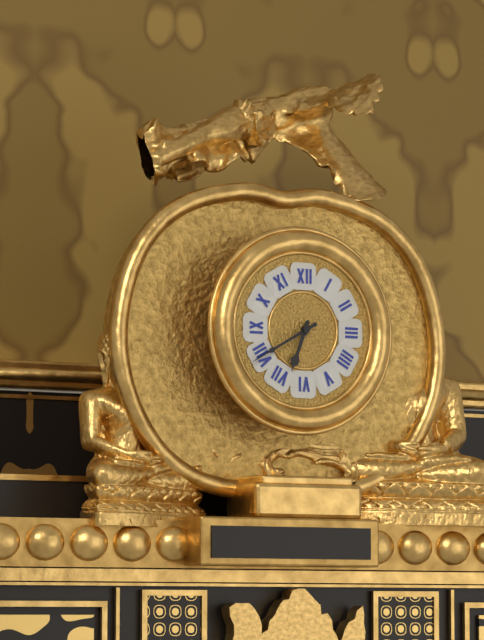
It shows **6:40**
